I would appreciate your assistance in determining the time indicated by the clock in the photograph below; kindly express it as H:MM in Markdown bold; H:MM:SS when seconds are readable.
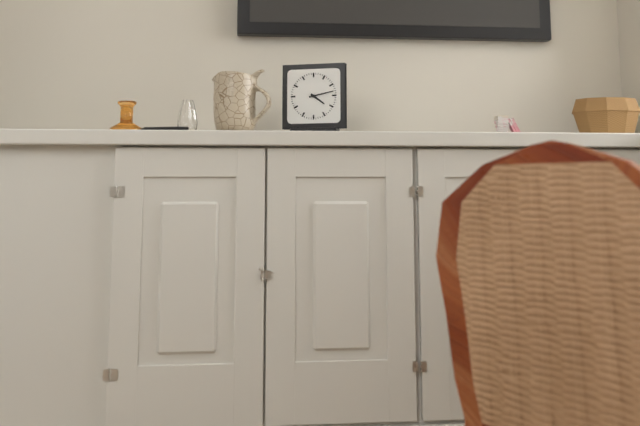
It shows **4:13**
